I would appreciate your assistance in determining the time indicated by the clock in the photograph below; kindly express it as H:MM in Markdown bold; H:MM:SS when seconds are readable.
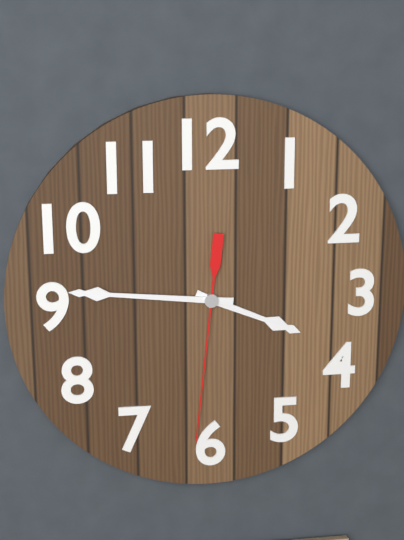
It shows **3:46:31**
